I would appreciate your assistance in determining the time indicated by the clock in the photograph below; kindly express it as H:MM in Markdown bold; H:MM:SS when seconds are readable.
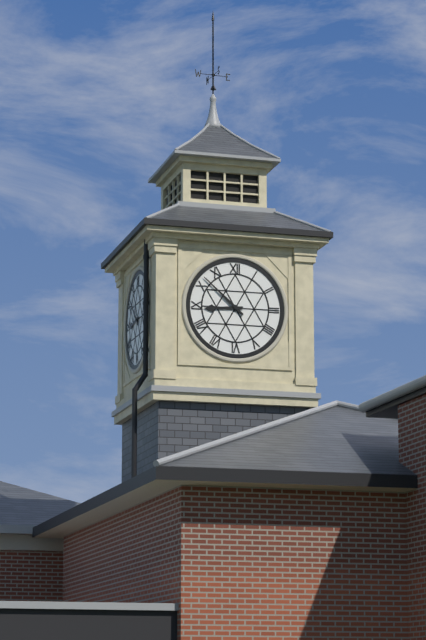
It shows **8:52**
